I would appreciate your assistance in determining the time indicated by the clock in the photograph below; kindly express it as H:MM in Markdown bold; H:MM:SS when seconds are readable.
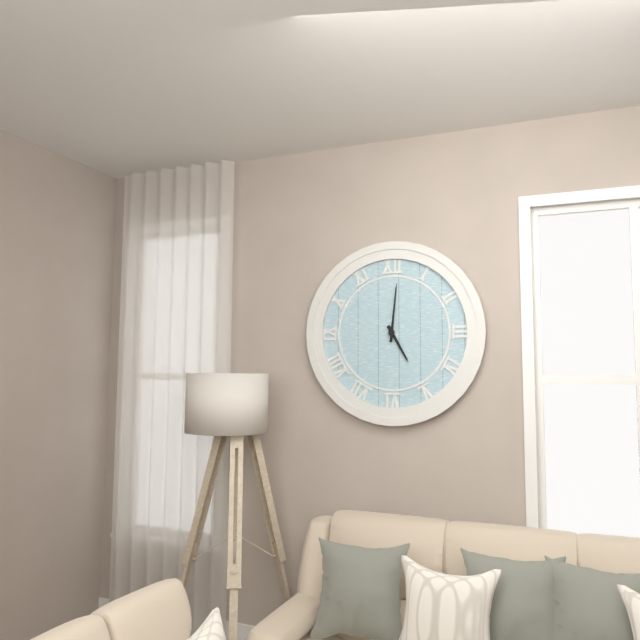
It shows **5:01**
